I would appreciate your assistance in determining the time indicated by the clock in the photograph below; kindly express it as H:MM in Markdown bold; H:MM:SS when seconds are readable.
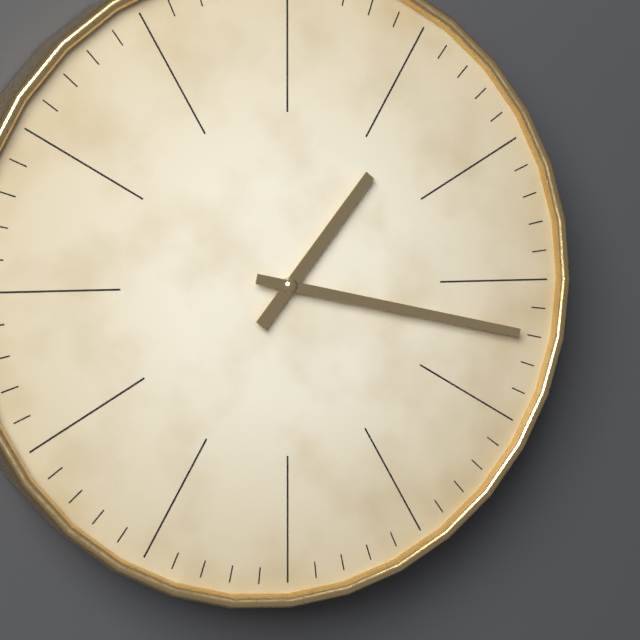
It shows **1:17**
